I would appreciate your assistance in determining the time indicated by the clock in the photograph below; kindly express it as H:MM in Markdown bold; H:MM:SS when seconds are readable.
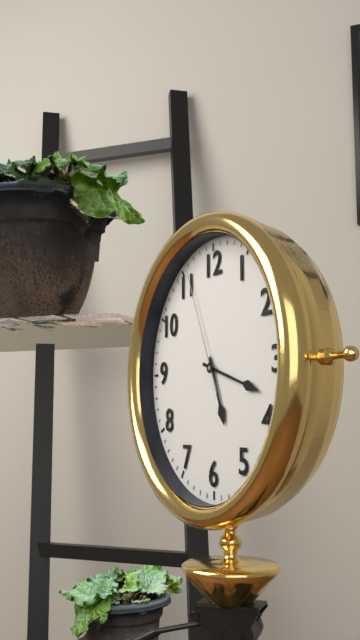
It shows **5:18:56**
